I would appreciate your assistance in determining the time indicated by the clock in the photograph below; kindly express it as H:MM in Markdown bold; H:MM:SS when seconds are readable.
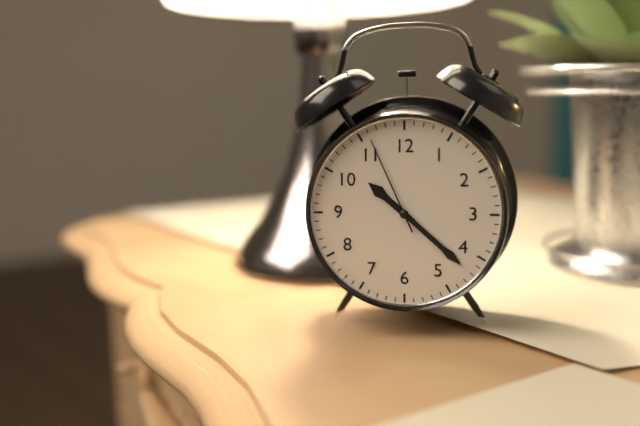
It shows **10:22:56**
